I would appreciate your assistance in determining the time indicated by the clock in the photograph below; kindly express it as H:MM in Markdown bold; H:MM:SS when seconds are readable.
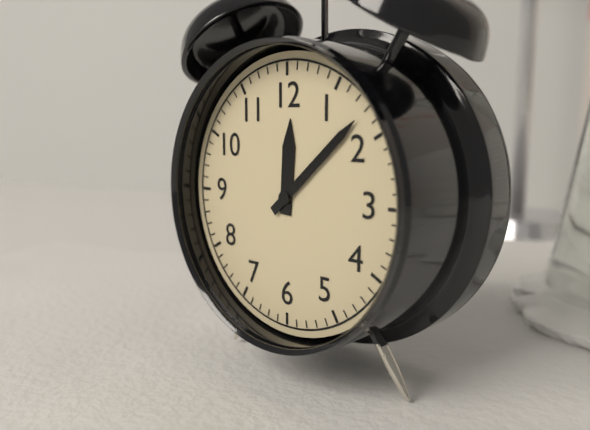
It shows **12:08**
